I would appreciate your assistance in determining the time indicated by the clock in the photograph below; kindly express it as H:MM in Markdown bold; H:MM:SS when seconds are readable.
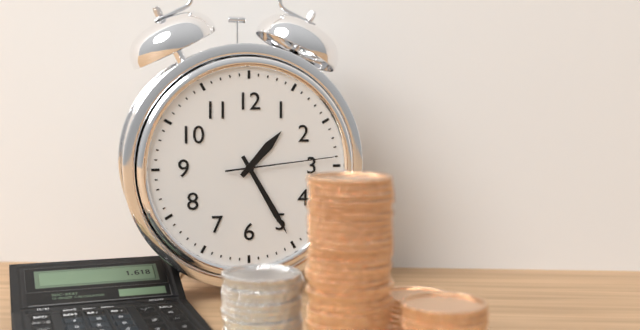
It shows **1:25:14**
